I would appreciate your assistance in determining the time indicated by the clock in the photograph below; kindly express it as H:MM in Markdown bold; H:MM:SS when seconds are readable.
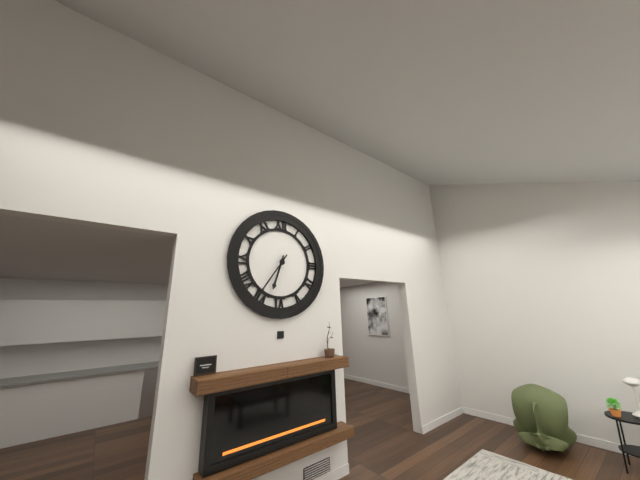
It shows **6:36**
